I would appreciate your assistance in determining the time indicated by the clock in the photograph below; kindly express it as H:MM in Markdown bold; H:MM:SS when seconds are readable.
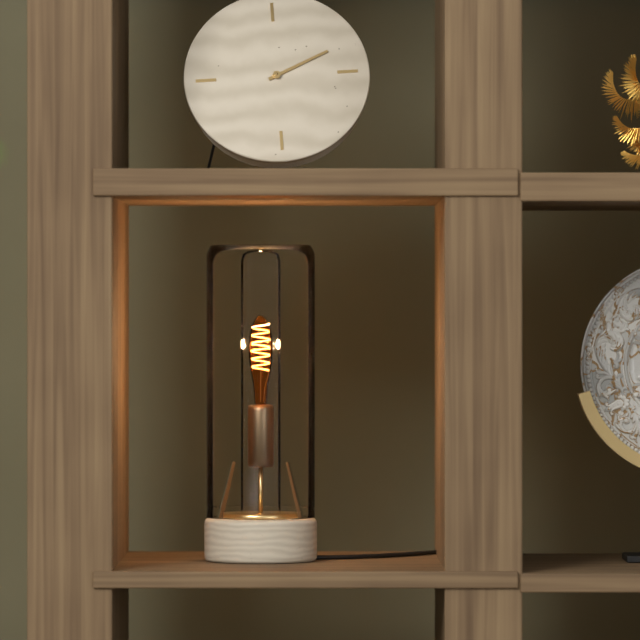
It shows **2:11**
